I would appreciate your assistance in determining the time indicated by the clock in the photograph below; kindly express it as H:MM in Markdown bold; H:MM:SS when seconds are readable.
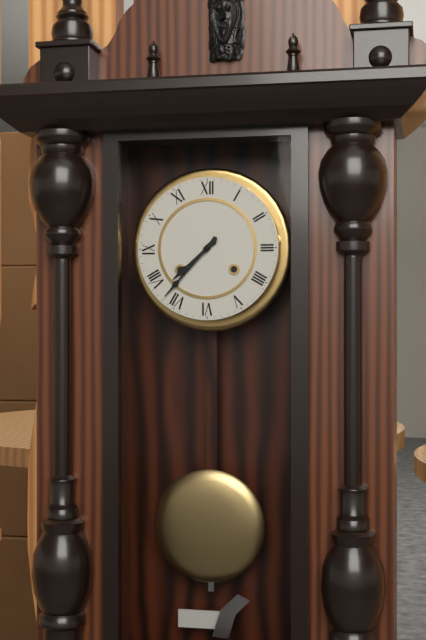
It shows **7:37**
